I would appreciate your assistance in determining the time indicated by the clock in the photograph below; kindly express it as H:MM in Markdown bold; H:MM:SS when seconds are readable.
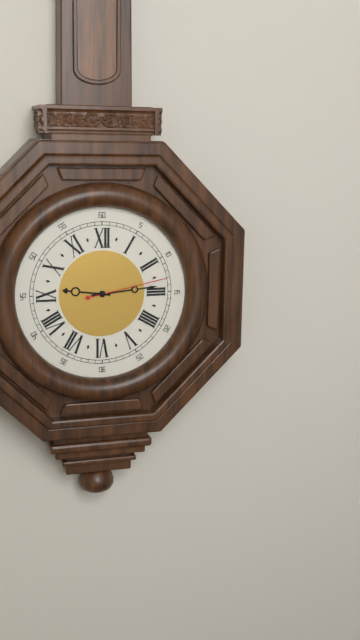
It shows **9:14:13**
